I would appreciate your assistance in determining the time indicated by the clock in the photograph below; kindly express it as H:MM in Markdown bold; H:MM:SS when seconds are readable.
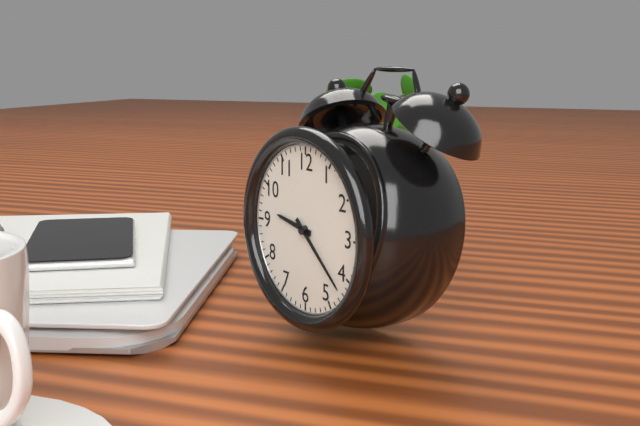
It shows **9:22**
